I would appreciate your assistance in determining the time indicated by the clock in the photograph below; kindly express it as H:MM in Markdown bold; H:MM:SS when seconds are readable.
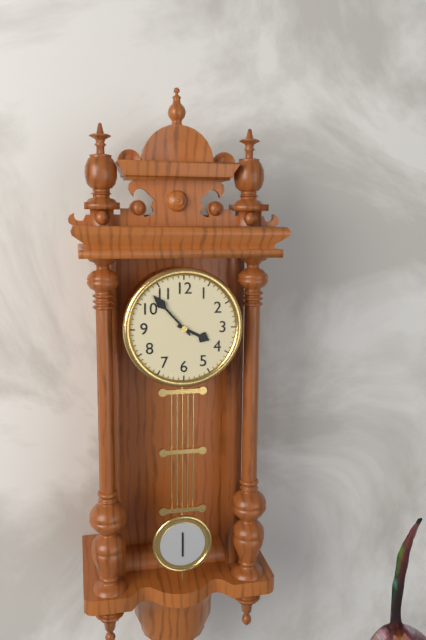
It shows **3:53**
